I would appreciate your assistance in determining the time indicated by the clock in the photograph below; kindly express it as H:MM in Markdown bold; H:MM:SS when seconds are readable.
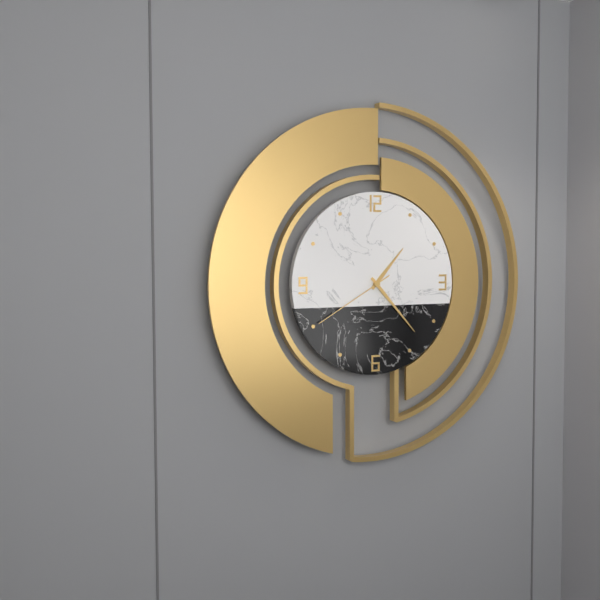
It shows **1:23:40**
